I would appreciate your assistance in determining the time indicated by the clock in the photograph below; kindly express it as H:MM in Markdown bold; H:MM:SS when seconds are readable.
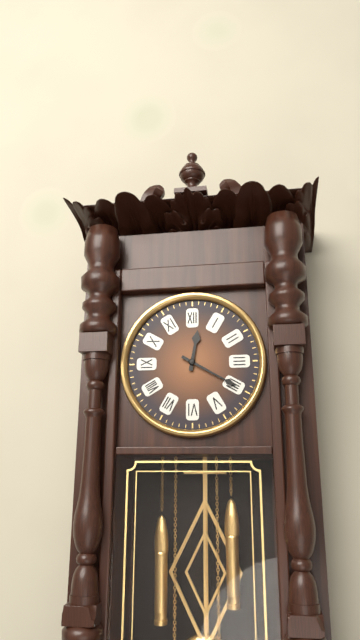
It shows **12:20**
